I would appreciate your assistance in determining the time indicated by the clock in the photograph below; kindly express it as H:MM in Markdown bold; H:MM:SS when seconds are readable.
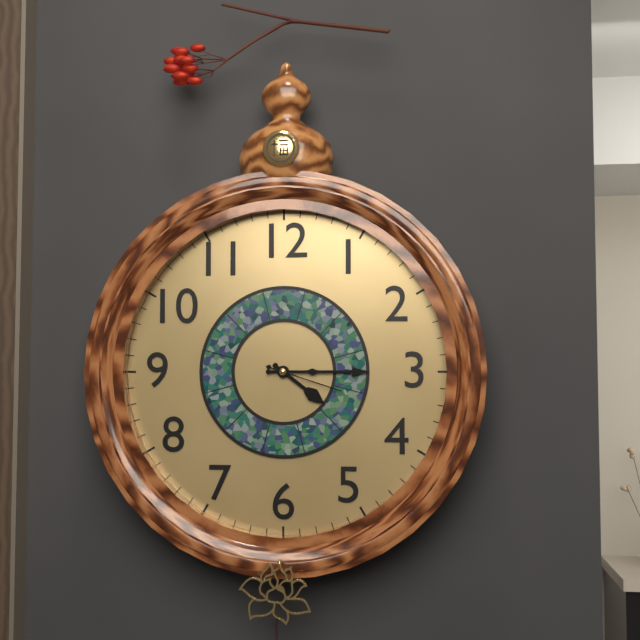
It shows **4:15:18**
